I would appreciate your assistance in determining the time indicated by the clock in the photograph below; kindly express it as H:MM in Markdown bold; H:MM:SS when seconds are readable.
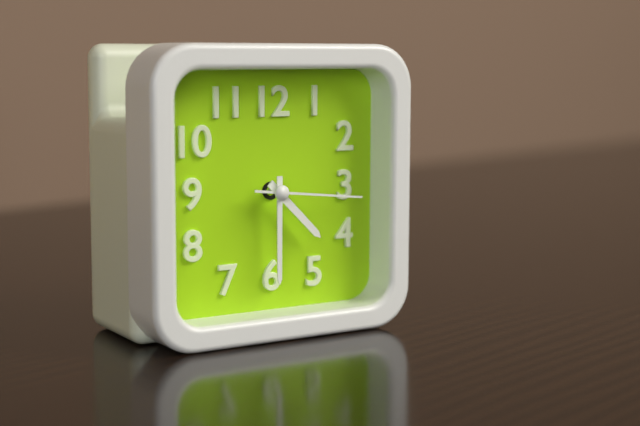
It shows **4:30:16**
